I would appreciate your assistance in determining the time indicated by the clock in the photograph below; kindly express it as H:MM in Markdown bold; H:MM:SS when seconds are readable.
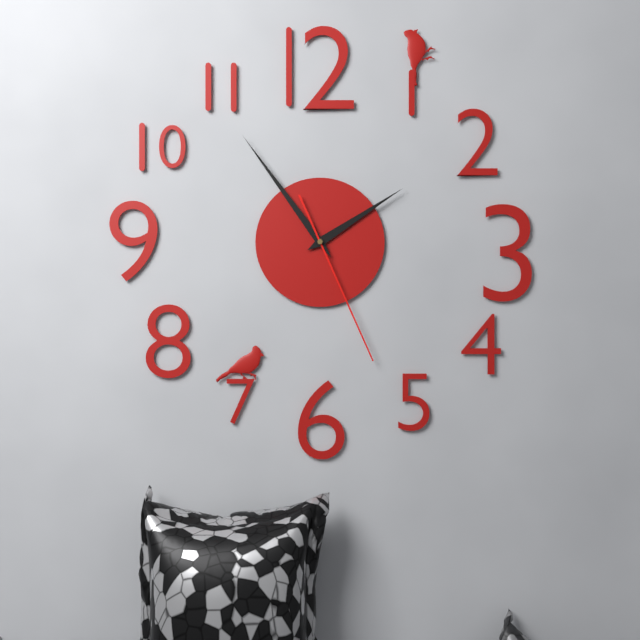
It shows **1:54:26**
